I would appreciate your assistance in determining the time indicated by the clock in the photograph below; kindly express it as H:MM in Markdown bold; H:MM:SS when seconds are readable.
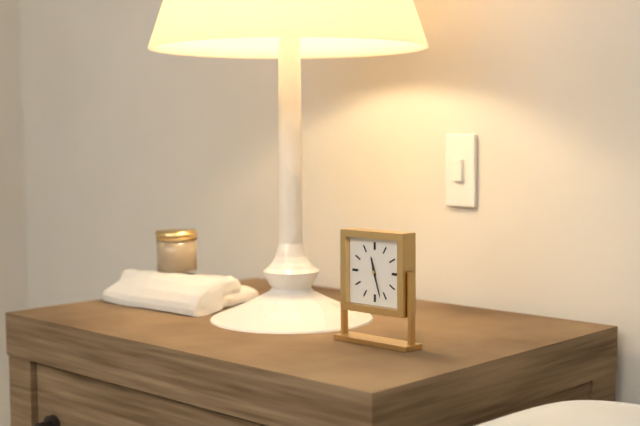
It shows **11:27**
